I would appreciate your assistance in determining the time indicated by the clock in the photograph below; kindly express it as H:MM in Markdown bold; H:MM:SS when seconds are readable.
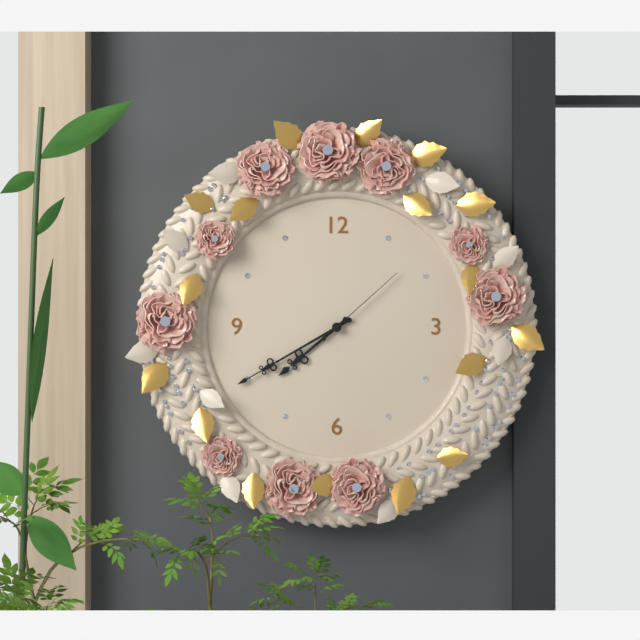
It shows **7:40:08**
